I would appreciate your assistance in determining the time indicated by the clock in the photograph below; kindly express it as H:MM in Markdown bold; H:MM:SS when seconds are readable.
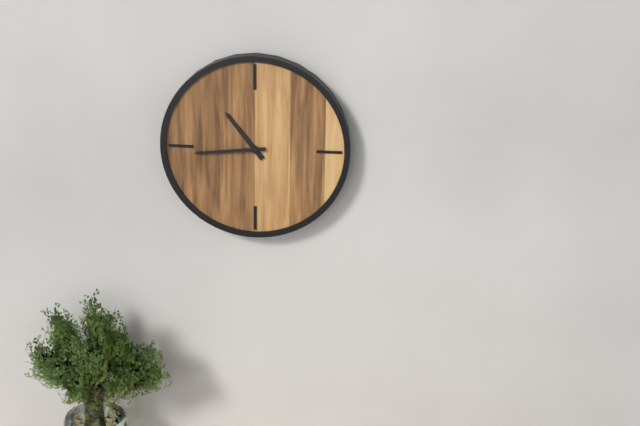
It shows **10:44**
